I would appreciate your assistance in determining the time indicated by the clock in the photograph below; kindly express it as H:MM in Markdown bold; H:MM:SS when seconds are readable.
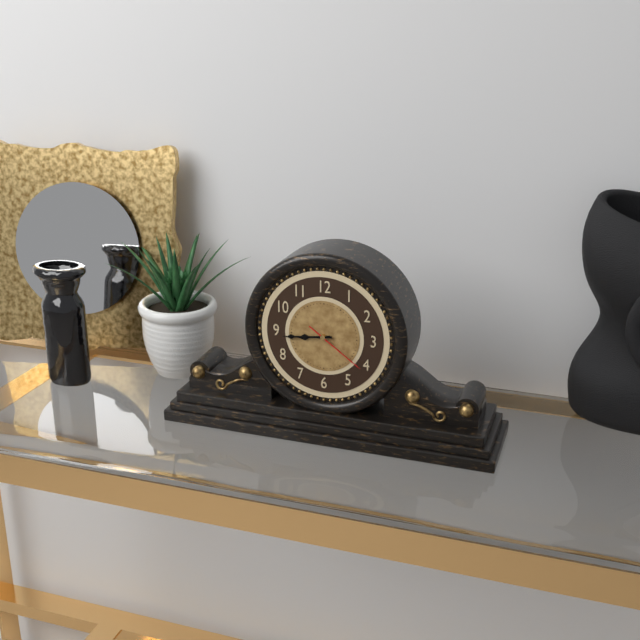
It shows **8:44:21**
